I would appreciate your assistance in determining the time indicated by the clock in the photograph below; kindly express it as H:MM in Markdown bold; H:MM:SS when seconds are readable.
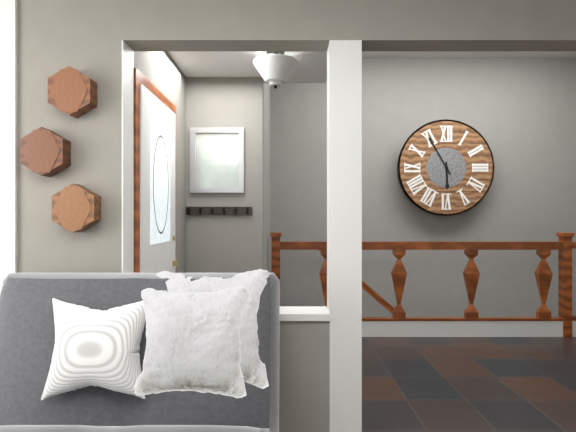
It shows **5:55**
